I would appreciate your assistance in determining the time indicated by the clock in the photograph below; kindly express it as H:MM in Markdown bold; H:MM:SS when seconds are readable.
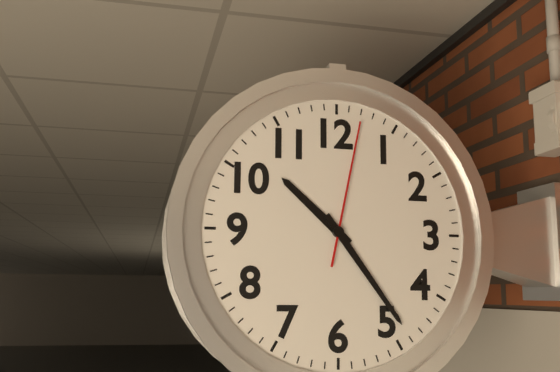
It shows **10:24:02**
